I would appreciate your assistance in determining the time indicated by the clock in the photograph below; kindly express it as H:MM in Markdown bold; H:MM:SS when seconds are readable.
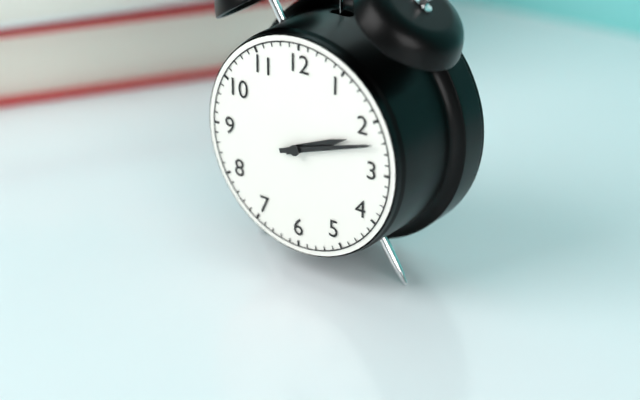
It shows **2:12**
